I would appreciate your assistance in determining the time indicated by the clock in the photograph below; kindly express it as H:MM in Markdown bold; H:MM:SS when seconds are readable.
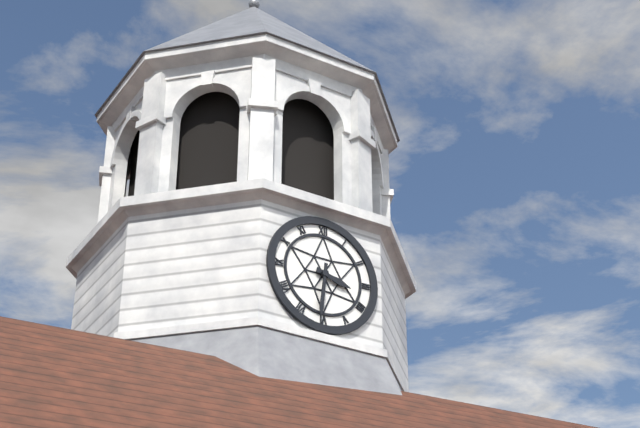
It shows **3:31**
